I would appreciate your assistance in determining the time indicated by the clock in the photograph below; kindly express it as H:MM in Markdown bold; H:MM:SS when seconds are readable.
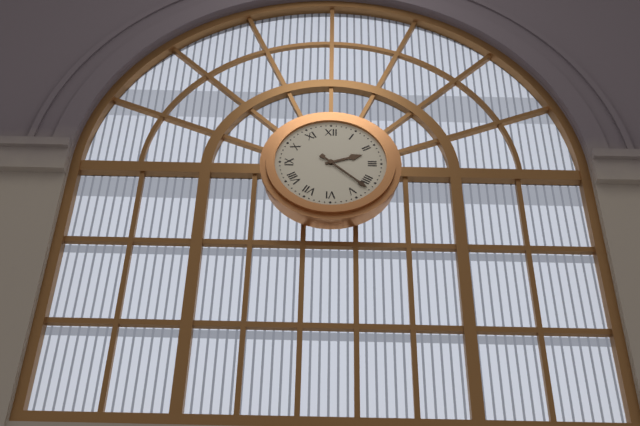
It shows **2:22**
